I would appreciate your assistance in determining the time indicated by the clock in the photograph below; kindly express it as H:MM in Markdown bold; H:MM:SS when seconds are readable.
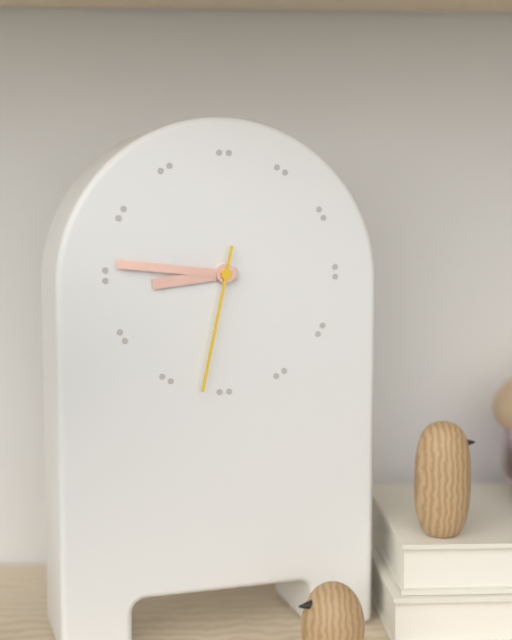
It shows **8:46:32**
